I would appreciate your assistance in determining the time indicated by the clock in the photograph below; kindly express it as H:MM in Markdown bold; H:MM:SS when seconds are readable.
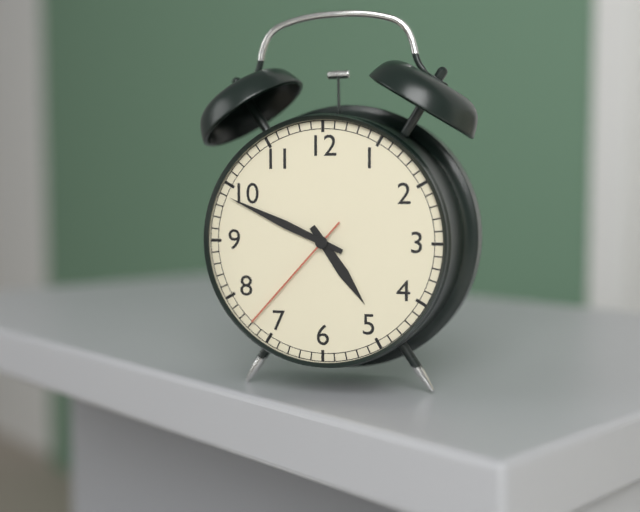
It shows **4:49:37**
